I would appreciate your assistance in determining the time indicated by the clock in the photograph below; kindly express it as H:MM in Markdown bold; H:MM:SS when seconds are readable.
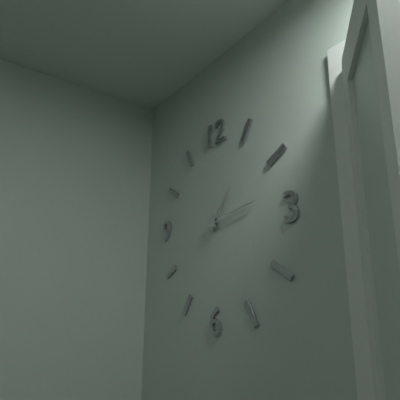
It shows **1:13**
